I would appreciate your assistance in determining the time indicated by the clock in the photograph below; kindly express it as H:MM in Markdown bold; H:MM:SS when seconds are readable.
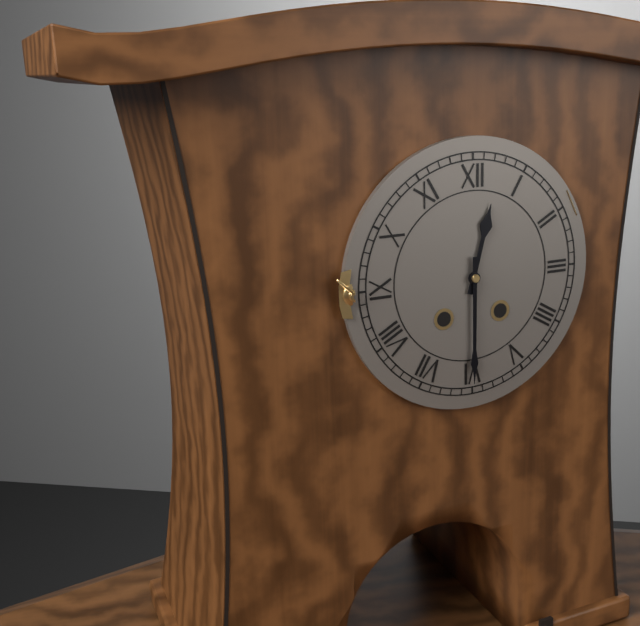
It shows **12:30**
